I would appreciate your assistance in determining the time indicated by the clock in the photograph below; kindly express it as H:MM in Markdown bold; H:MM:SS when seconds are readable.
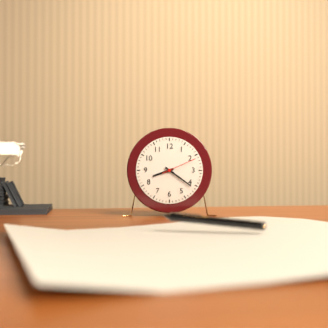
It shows **8:21**
